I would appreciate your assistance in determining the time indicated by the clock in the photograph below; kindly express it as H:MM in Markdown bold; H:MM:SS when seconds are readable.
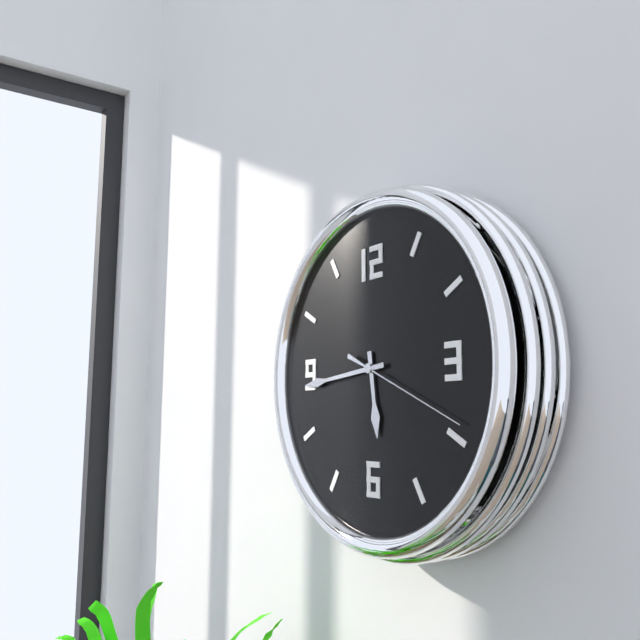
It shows **5:44:19**
